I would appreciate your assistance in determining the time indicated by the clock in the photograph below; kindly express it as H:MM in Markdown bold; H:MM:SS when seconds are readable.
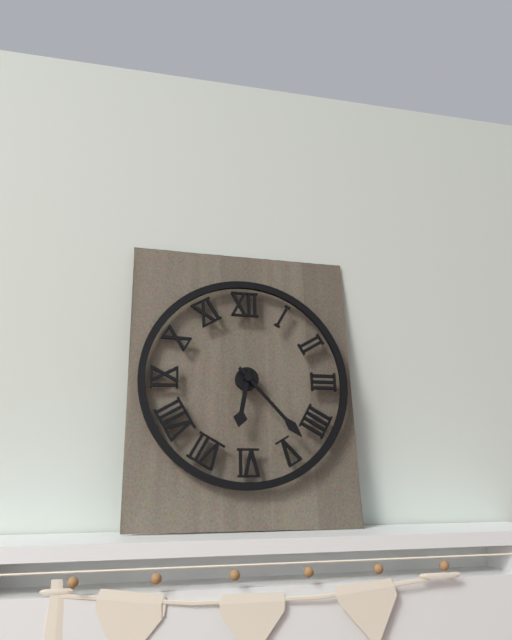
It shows **6:23**
